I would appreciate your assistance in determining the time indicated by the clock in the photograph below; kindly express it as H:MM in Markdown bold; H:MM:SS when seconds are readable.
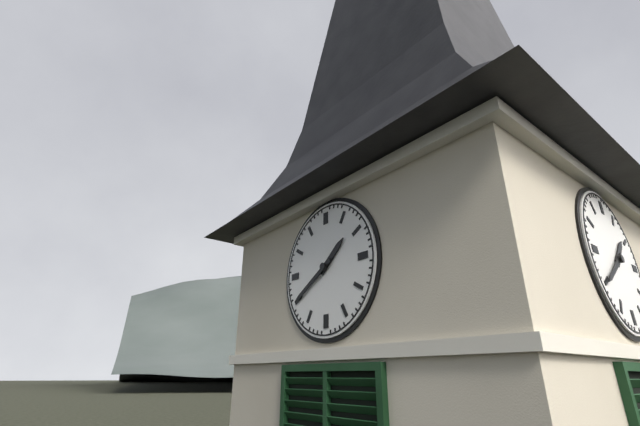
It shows **1:40**
